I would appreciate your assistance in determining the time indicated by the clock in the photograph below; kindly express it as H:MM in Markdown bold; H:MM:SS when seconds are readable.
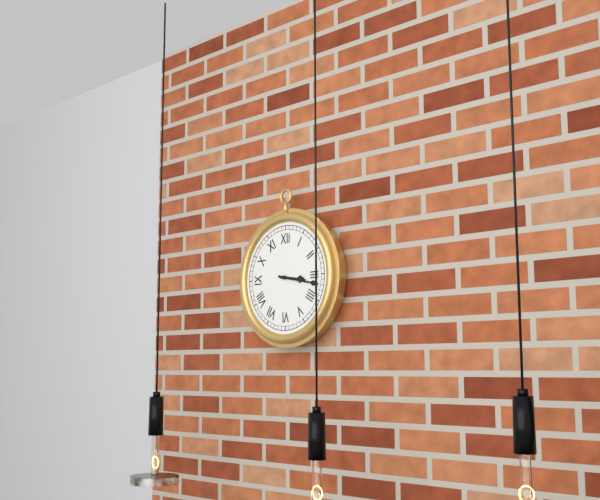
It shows **3:17**
